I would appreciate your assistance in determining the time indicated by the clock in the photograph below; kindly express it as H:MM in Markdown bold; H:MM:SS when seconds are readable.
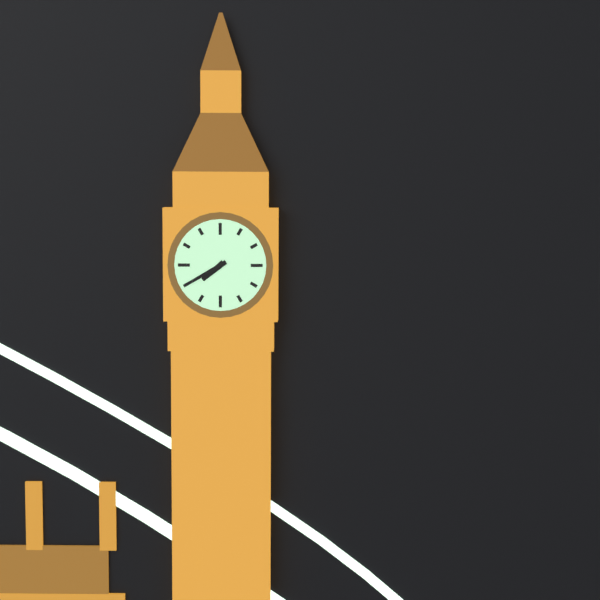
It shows **7:40**
